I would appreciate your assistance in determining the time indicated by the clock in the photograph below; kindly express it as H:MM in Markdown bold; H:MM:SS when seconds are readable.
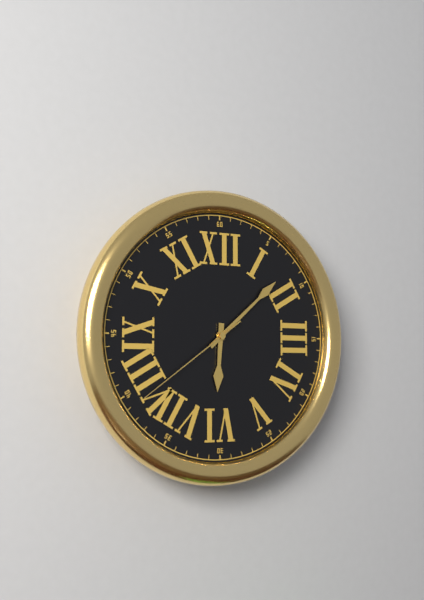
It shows **6:08:39**
